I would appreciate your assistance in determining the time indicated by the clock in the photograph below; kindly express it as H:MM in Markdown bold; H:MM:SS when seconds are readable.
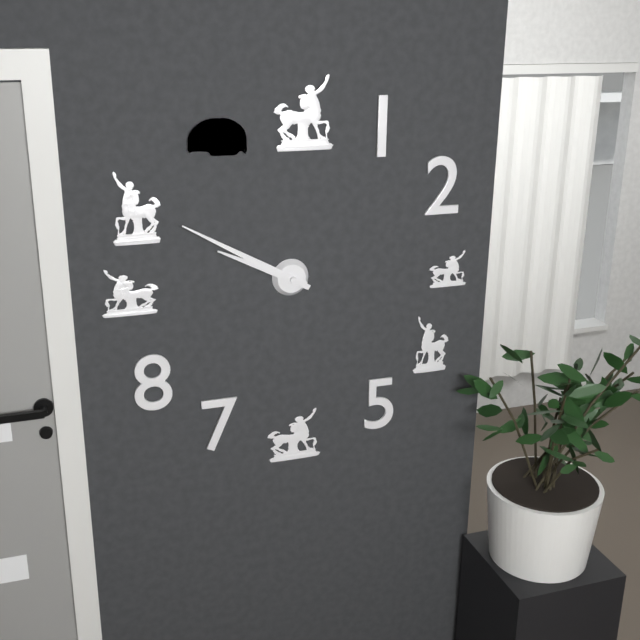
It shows **9:50**
